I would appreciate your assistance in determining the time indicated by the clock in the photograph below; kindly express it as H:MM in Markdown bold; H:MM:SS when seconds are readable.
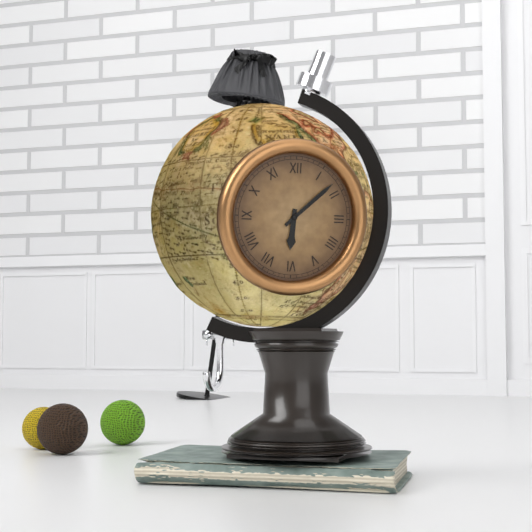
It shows **6:08**
